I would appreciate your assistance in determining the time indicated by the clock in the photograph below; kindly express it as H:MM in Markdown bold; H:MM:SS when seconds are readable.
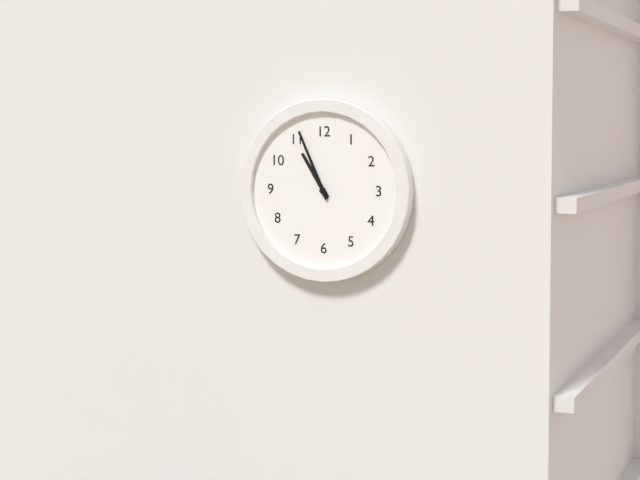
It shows **10:56**
